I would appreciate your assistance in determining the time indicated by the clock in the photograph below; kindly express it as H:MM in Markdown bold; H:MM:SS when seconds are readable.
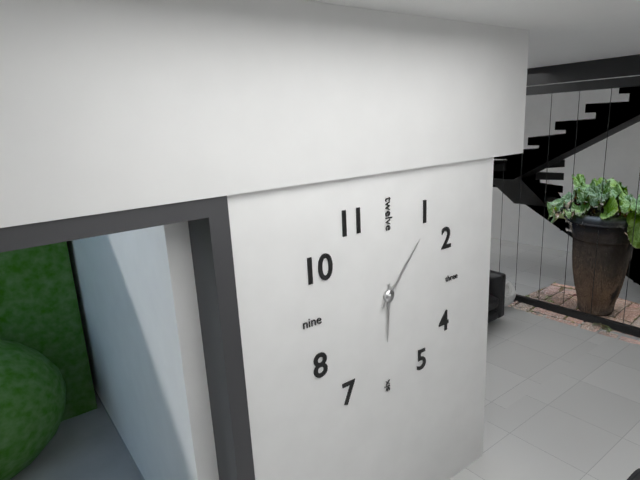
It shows **6:07**
